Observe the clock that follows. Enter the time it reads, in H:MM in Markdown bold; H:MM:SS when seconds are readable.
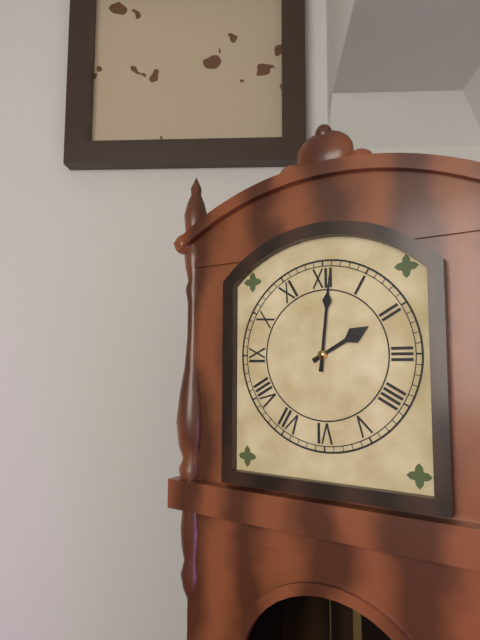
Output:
**2:01**
